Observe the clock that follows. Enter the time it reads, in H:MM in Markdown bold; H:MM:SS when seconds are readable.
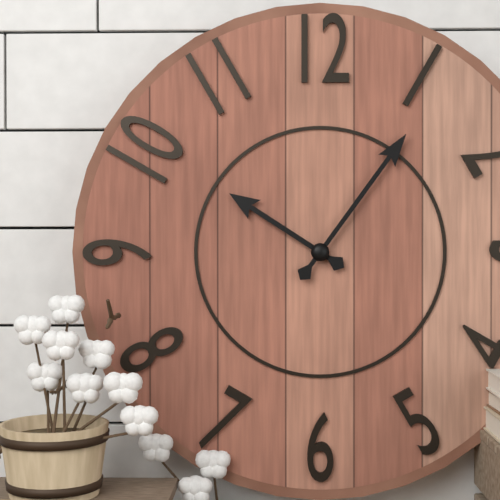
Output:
**10:06**
